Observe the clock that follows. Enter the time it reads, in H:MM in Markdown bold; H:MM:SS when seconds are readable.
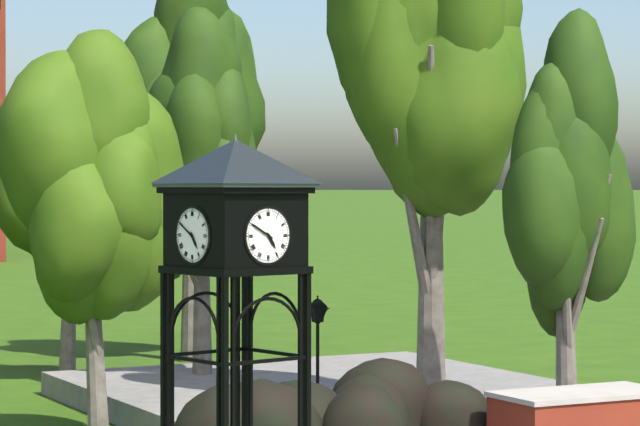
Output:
**4:50**
